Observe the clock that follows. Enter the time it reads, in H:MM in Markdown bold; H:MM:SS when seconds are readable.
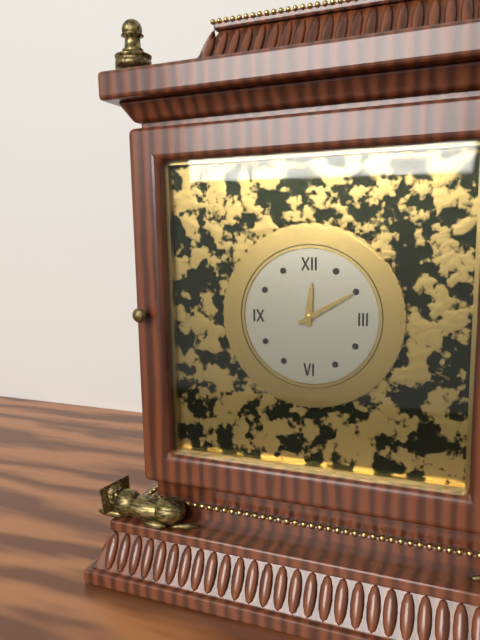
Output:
**12:10**
